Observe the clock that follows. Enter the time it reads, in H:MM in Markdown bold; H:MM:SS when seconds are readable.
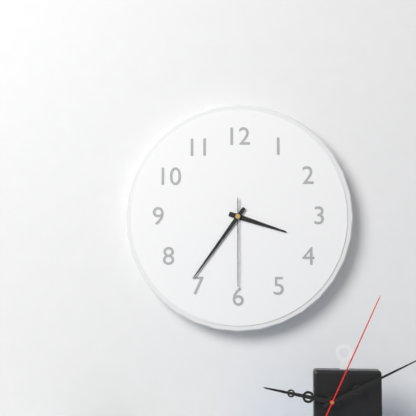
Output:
**3:36:30**
